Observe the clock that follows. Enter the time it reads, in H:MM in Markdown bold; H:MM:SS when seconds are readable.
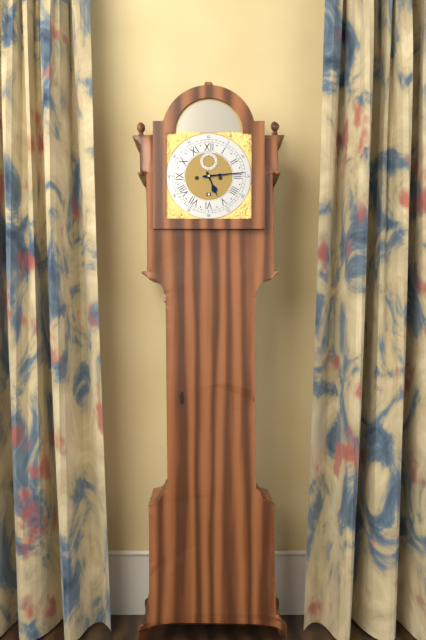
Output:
**5:14**
